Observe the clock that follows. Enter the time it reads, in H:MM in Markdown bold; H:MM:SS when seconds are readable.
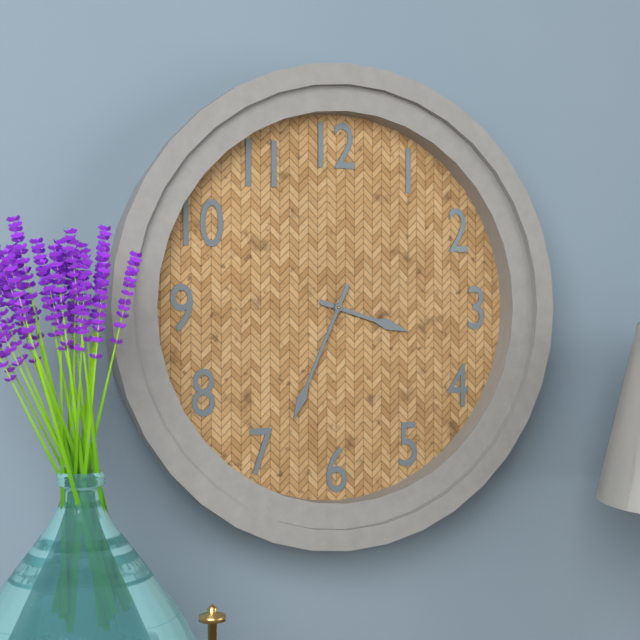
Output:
**3:34**
